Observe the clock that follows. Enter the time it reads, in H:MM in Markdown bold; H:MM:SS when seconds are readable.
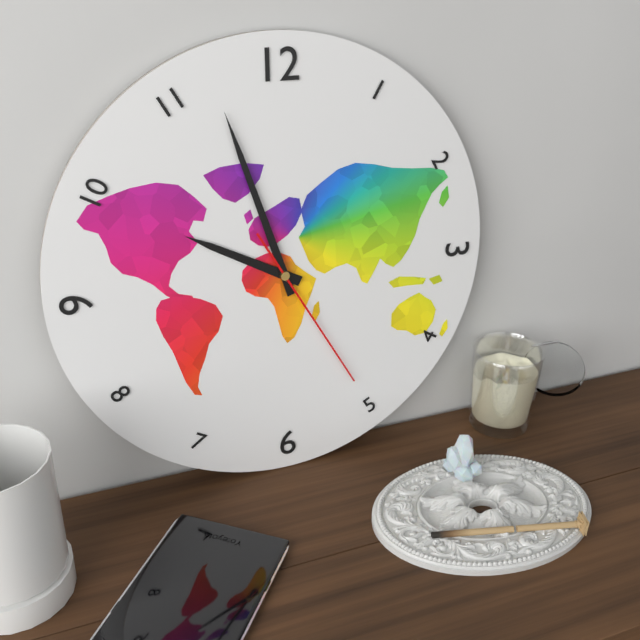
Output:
**9:57:25**
